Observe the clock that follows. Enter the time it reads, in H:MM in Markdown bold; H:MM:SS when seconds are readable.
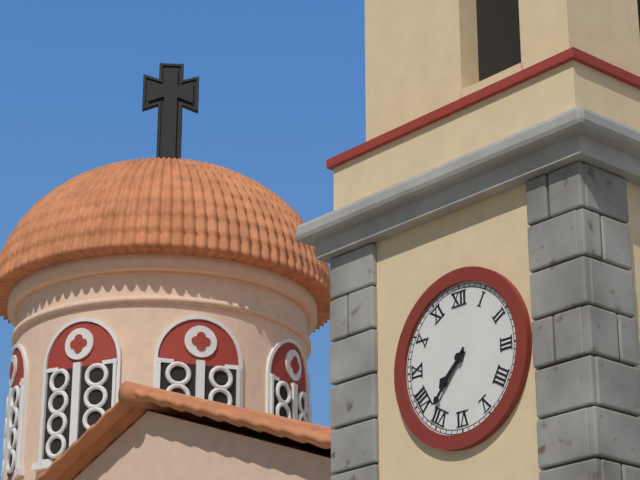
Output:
**7:37**
